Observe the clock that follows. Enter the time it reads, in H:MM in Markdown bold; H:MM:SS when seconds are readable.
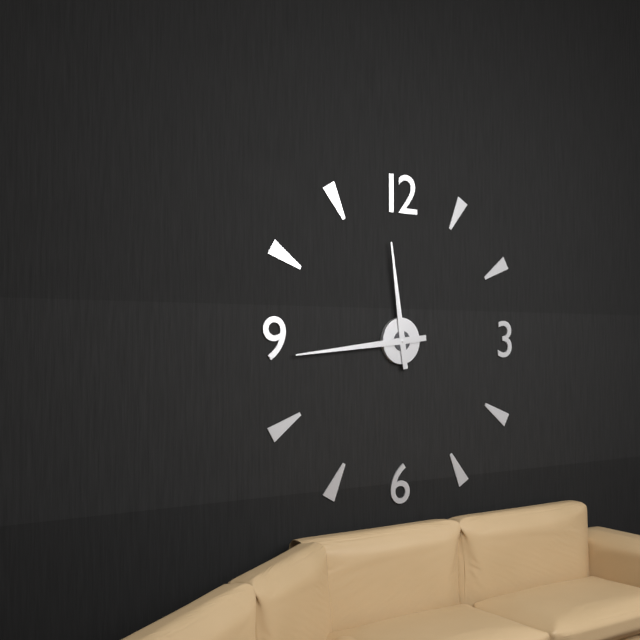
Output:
**11:44**
